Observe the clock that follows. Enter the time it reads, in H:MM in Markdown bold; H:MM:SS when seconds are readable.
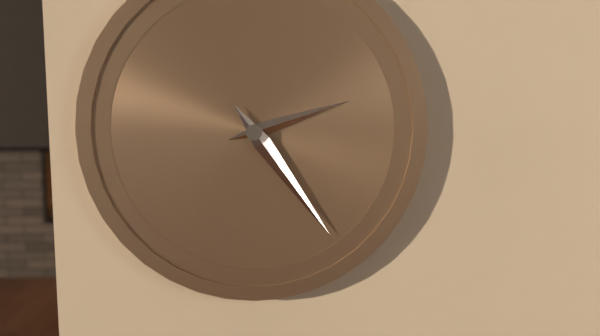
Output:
**2:24**
